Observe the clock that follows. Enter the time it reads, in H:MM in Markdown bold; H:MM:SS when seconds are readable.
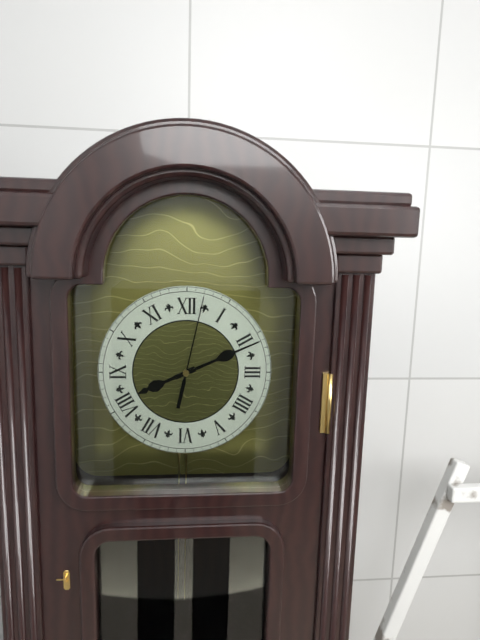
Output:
**8:11:02**
